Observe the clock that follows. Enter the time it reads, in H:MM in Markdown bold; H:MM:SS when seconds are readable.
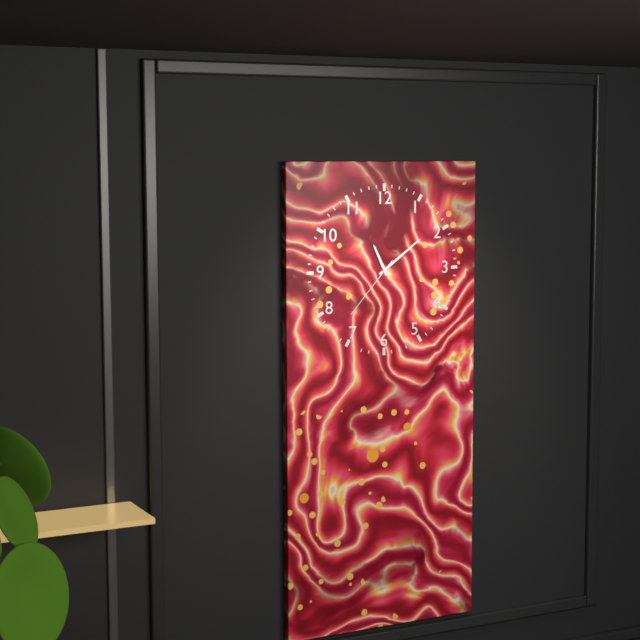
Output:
**11:09:37**
